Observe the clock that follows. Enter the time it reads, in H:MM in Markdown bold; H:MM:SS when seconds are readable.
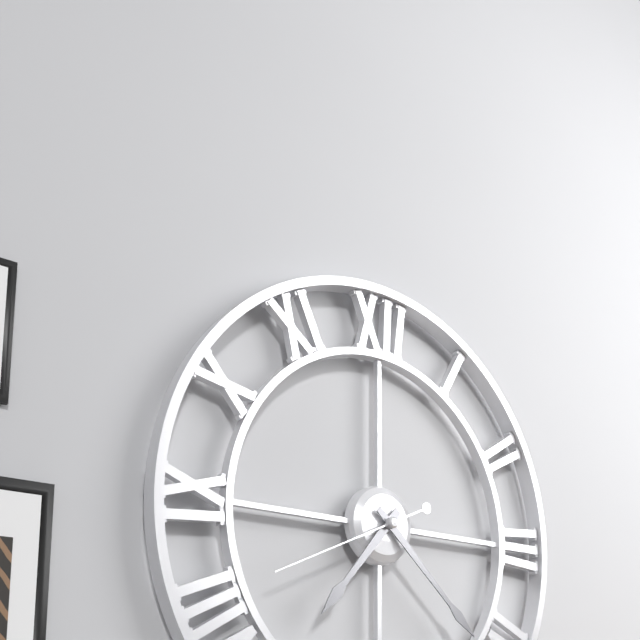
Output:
**7:22:41**
